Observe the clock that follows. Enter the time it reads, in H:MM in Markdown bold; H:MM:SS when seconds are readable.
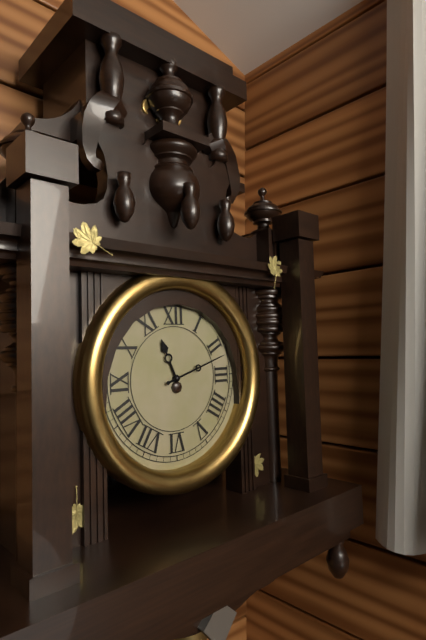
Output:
**11:12**
